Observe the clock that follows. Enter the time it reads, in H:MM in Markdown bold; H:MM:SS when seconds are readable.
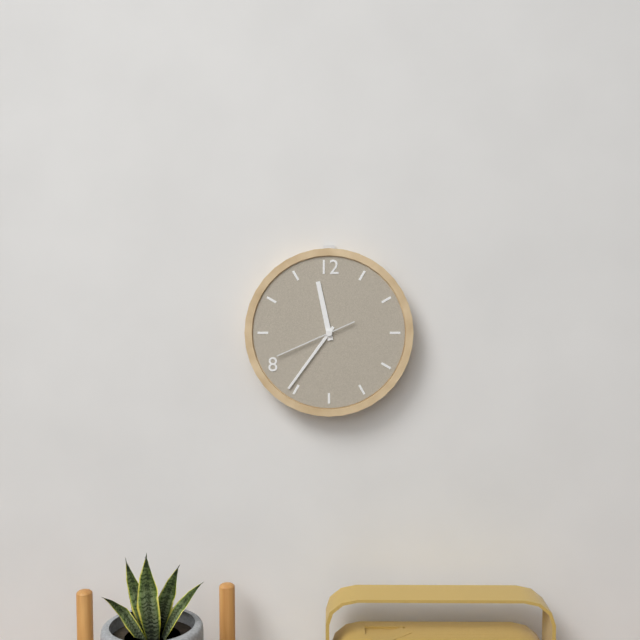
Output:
**11:36:41**
